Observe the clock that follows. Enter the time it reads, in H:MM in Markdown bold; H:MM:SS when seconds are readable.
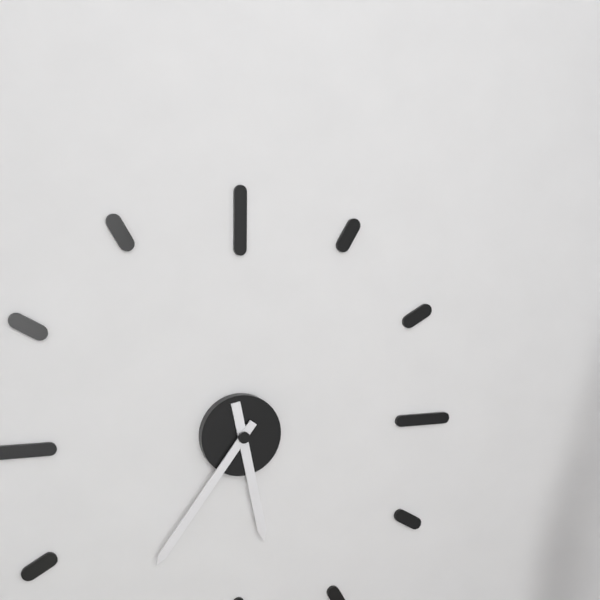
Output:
**5:36**
